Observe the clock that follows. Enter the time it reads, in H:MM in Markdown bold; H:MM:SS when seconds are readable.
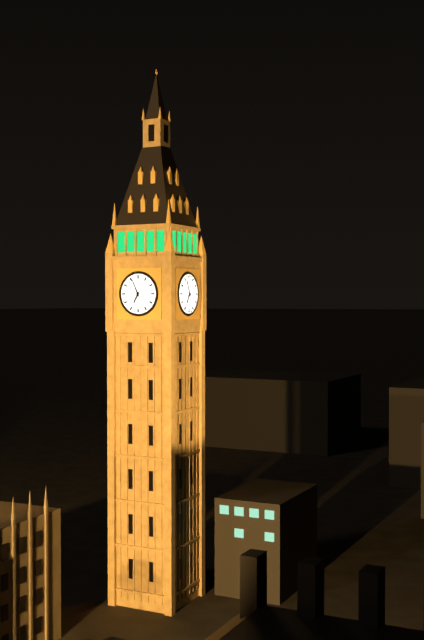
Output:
**6:56**
